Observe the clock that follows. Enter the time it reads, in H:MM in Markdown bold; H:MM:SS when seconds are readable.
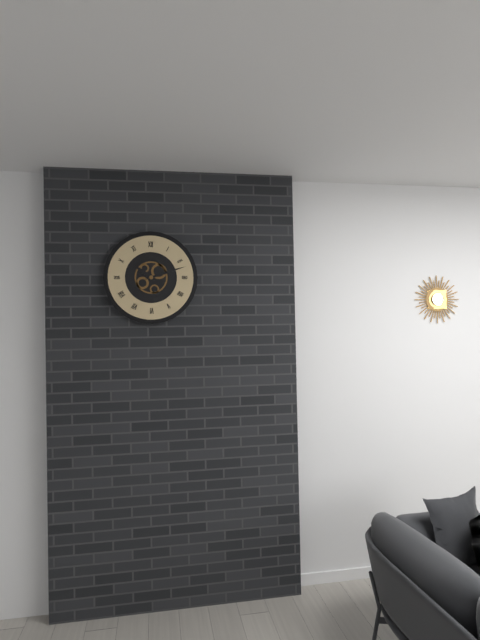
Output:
**10:12**
